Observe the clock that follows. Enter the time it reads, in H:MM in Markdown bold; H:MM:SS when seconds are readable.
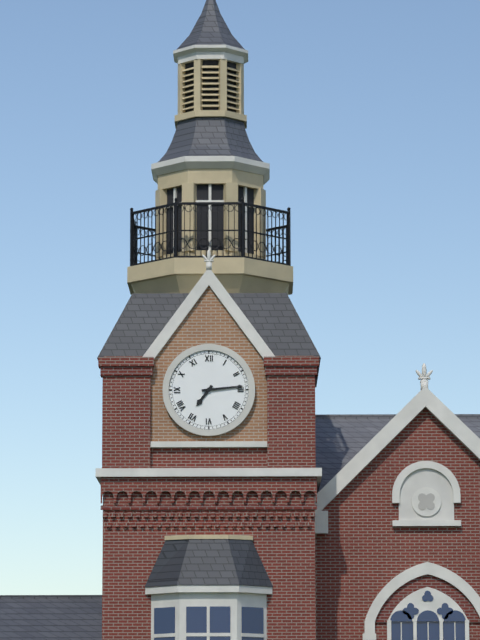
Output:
**7:14**
